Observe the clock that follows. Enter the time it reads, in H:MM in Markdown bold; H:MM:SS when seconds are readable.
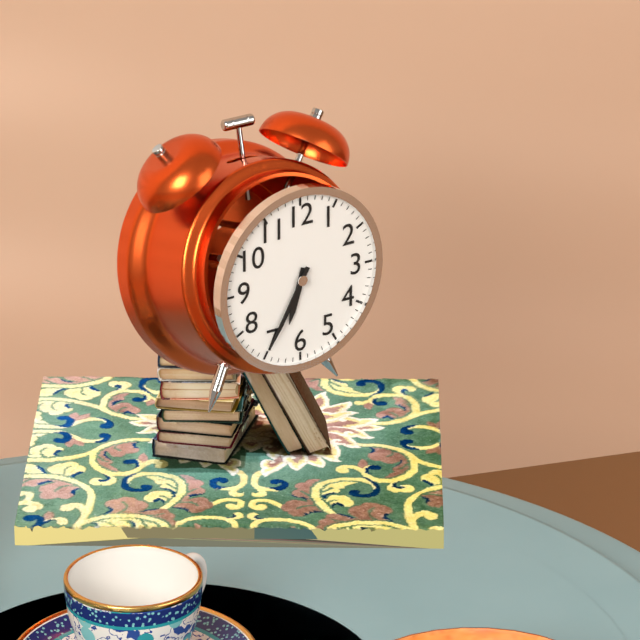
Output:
**6:35**
